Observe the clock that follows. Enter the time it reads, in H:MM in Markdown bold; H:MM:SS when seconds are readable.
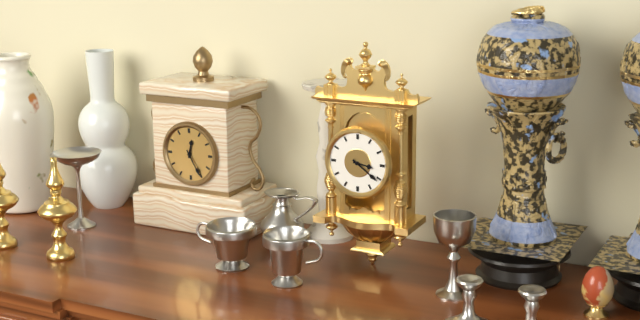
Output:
**3:21**
